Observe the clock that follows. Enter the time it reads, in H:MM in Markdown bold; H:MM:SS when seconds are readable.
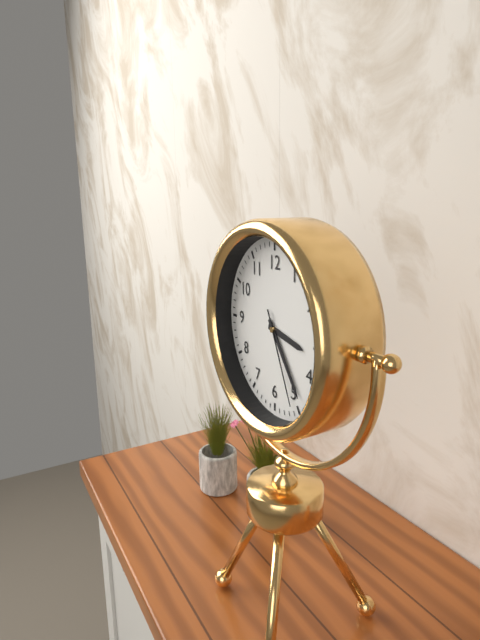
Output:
**3:24:26**
